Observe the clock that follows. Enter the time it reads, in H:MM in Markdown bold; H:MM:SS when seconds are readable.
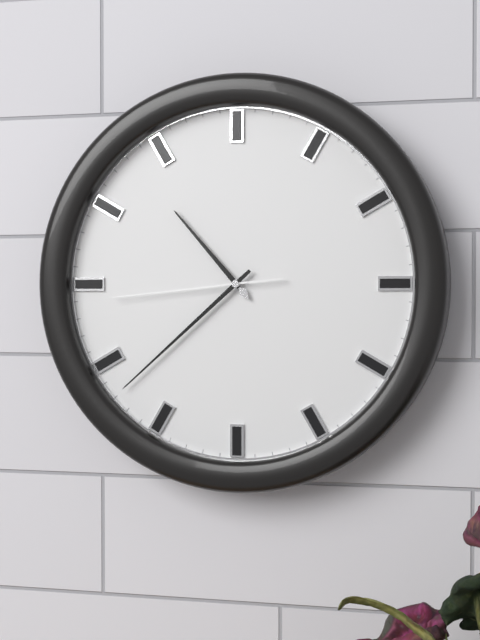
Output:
**10:38:44**
